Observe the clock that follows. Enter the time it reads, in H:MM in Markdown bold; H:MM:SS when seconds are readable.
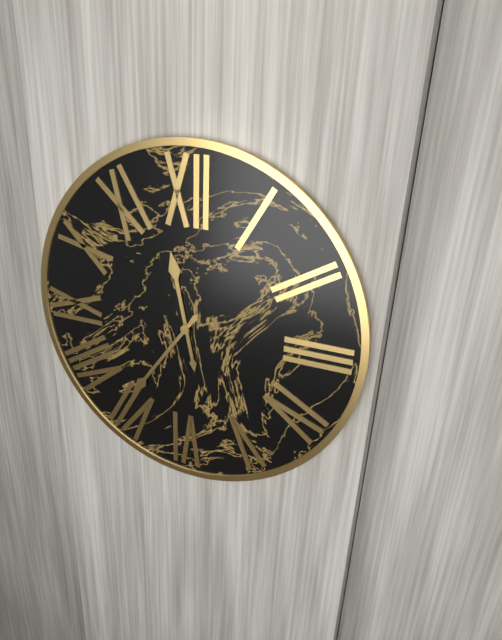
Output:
**11:36**
